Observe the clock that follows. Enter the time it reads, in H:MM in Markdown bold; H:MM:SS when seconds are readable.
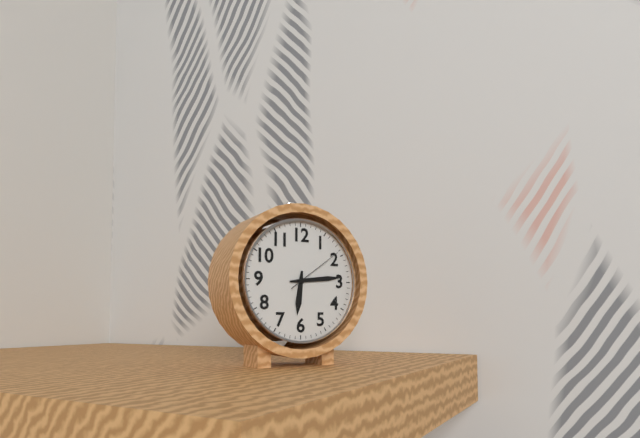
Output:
**6:14:09**
